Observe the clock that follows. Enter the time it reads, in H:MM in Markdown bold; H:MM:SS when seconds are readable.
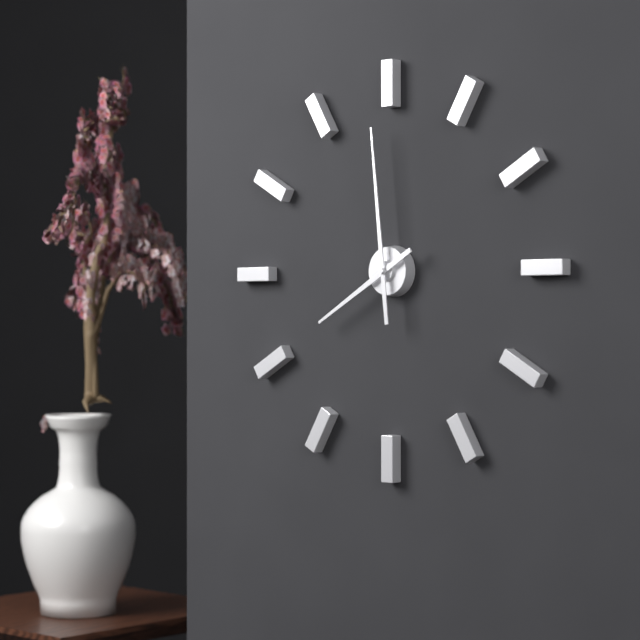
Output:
**7:59**
